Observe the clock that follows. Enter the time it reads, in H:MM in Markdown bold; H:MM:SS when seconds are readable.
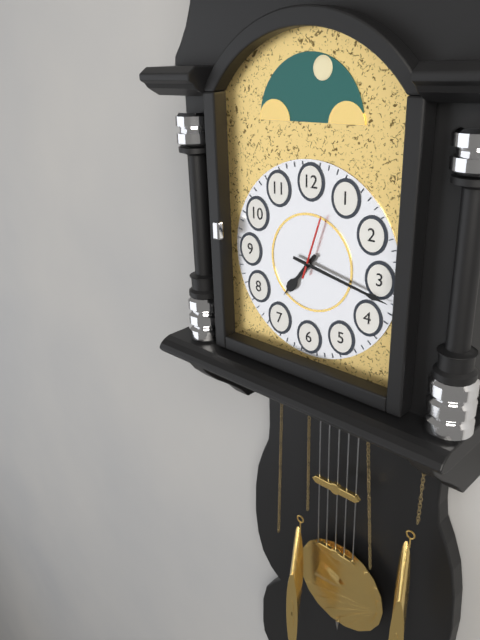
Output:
**7:17:03**
